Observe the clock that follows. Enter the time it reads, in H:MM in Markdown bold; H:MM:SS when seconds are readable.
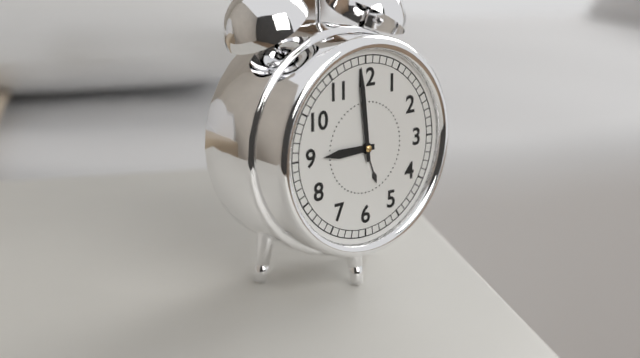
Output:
**8:59**
